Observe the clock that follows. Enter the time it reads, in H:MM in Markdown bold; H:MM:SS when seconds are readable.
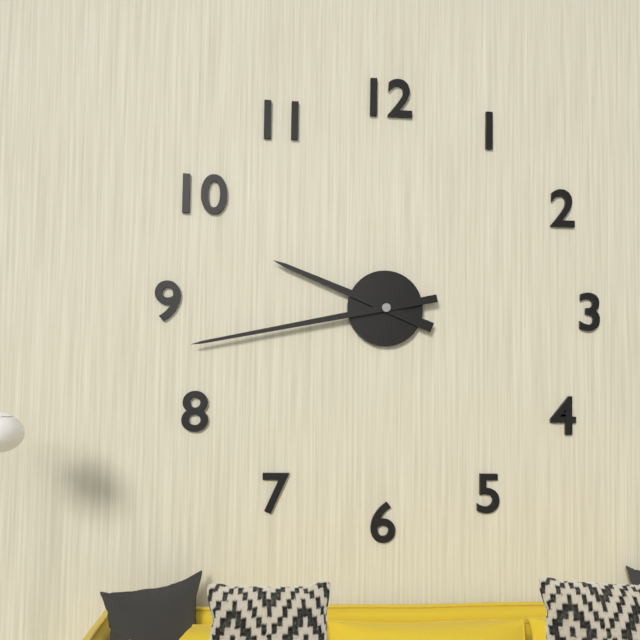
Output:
**9:43**
